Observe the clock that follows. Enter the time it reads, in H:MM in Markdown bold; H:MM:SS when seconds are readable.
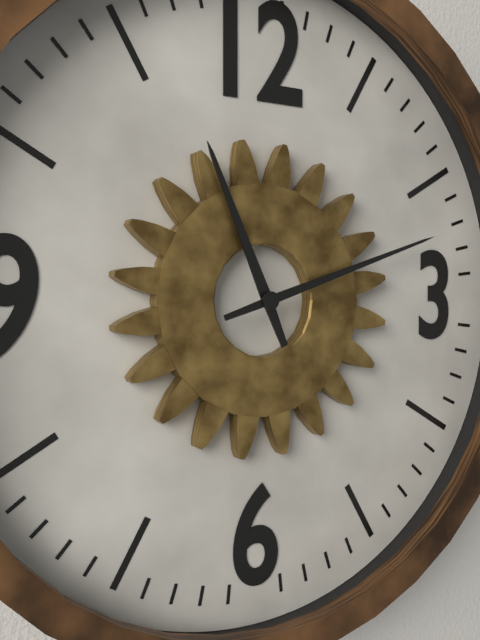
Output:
**11:12**
